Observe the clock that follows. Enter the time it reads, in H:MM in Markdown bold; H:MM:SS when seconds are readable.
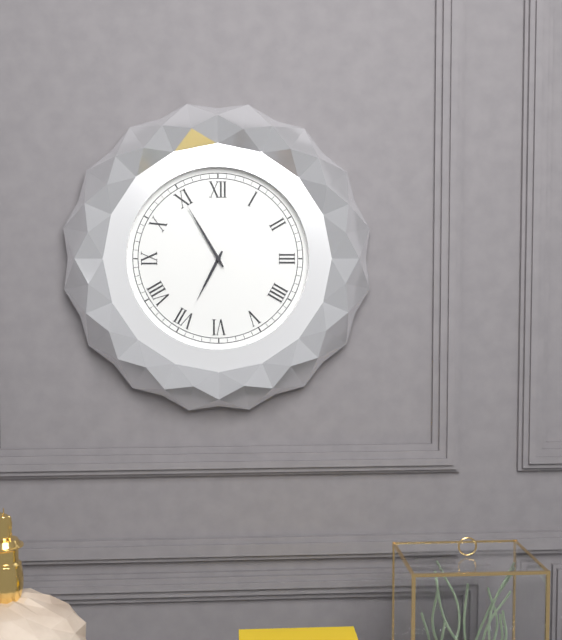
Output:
**6:55**
